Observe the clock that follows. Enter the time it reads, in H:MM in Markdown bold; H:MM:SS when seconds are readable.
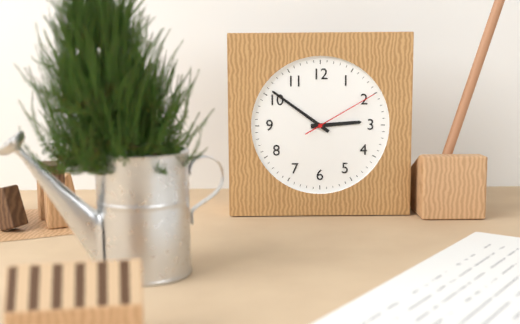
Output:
**2:51:10**
